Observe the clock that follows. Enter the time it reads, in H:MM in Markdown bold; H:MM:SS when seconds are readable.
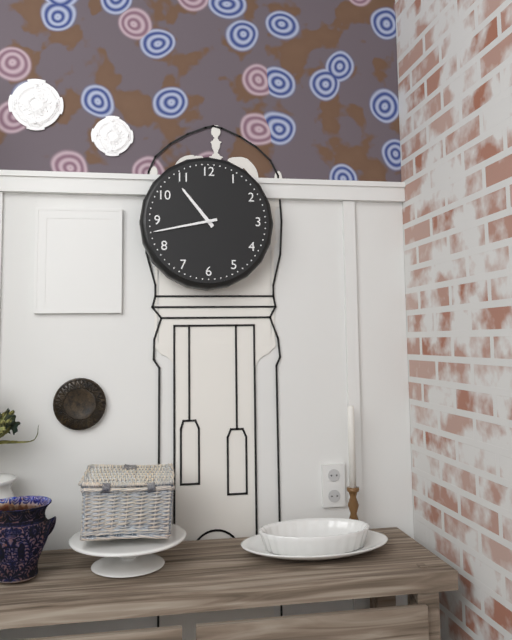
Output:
**10:43**
